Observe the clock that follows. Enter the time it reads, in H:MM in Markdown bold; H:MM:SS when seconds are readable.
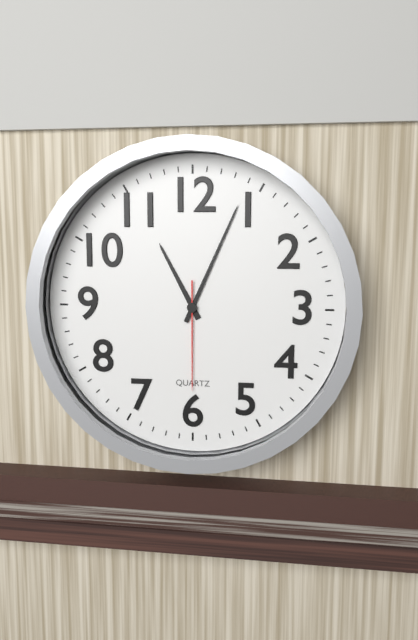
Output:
**11:04:30**
